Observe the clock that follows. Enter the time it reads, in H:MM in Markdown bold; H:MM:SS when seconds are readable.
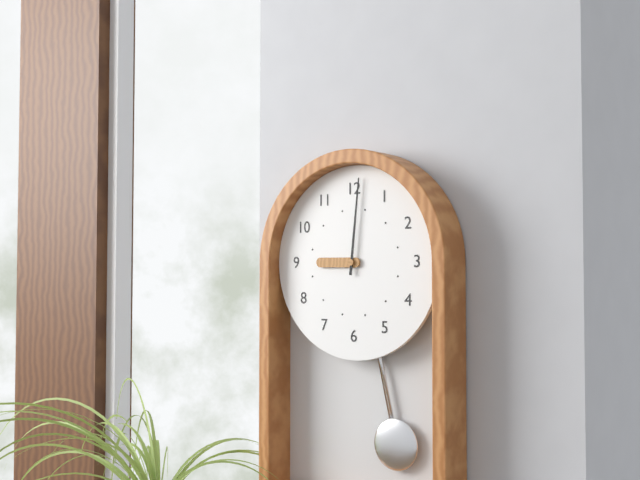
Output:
**9:01**
